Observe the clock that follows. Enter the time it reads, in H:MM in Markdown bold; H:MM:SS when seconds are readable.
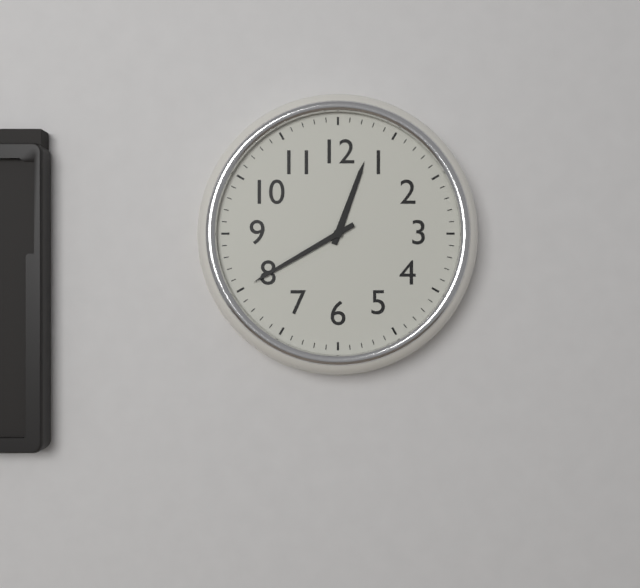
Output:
**12:40**
